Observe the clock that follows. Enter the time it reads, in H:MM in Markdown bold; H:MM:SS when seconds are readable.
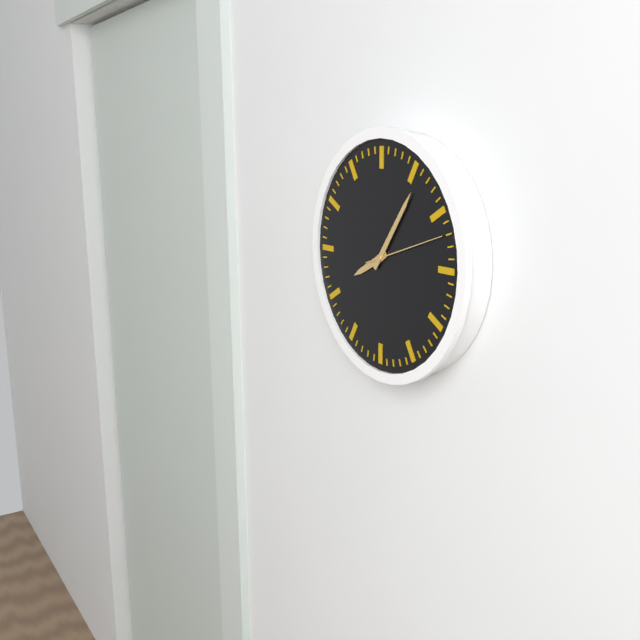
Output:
**8:06:12**
